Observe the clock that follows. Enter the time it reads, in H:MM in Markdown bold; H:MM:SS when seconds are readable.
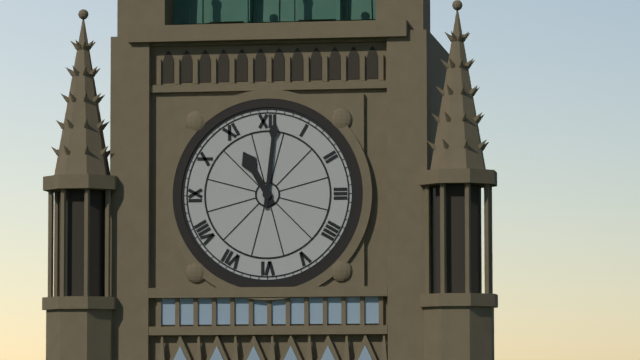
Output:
**11:01**
